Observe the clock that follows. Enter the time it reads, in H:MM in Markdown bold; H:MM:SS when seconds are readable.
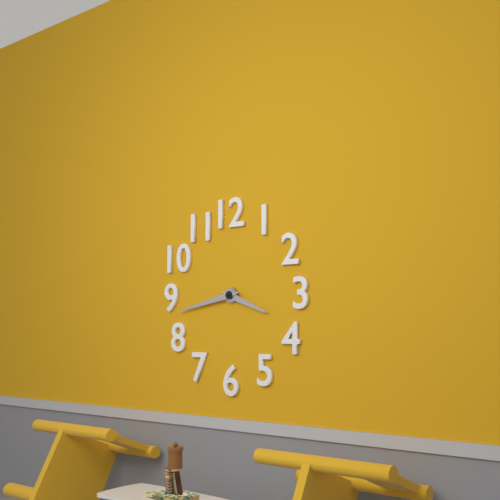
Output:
**3:43**
